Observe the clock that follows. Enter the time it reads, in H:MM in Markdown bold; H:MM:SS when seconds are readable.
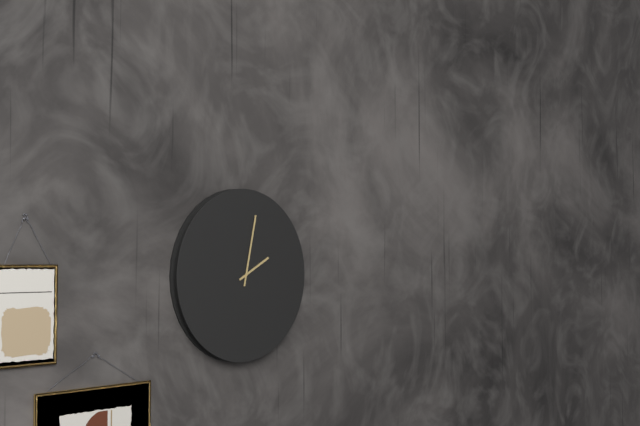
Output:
**2:02**
